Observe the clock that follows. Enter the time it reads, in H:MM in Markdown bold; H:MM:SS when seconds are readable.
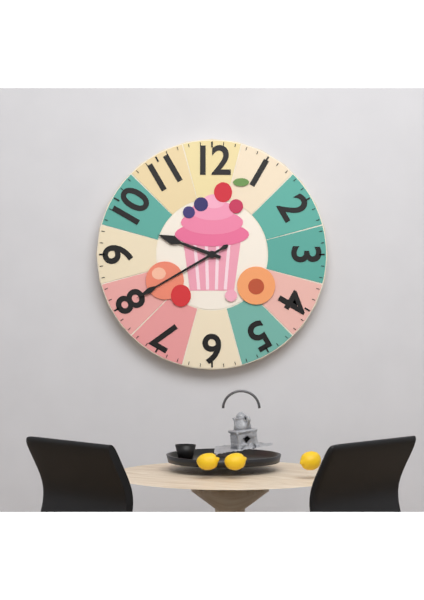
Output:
**9:40**
